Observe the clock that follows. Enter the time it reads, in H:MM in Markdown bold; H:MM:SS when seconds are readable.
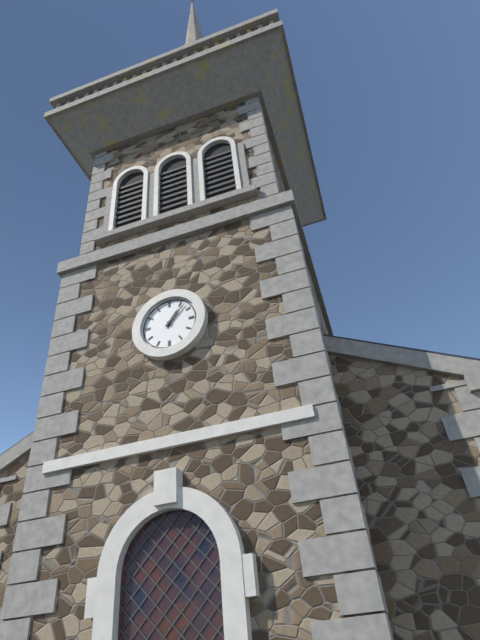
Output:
**1:07**
